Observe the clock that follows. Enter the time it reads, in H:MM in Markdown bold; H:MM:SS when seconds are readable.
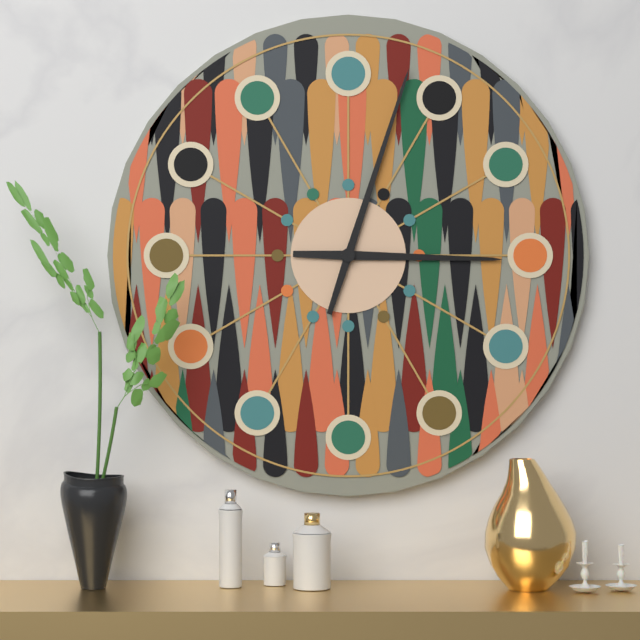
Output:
**3:03**
